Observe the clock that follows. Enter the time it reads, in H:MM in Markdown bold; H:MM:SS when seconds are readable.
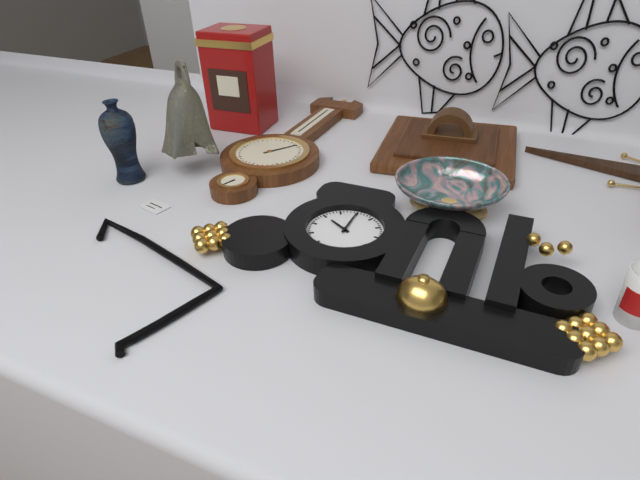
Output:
**10:00**
